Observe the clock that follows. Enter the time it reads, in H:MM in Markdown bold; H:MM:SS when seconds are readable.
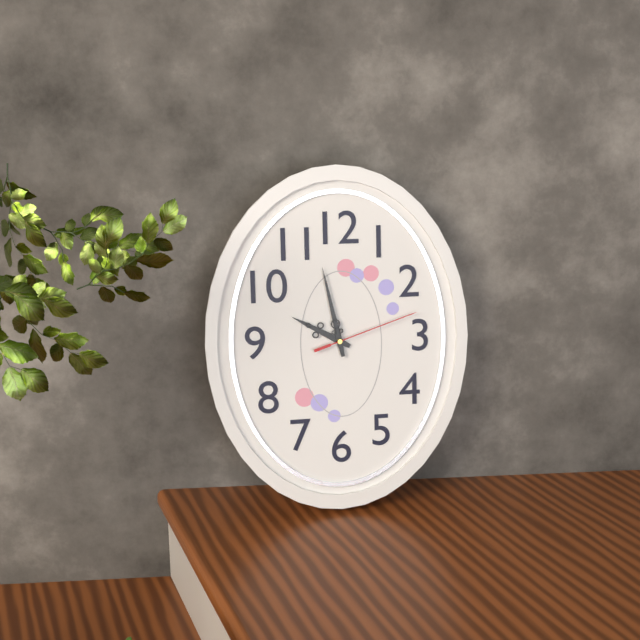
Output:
**9:58:12**
